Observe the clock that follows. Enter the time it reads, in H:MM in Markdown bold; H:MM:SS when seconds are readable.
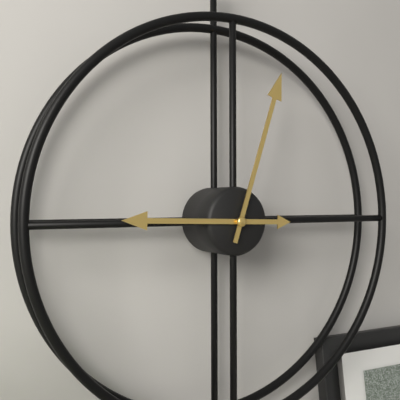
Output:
**9:03**
